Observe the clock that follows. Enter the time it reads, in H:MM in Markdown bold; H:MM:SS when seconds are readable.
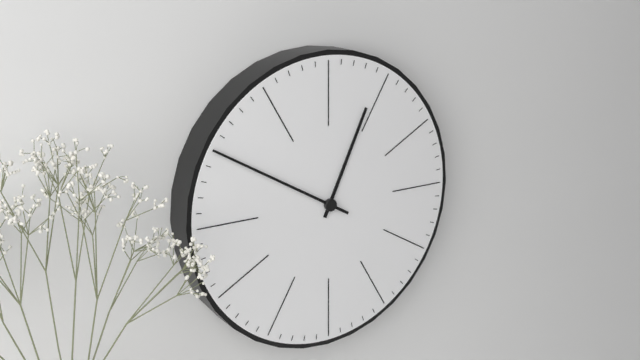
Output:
**12:50**
